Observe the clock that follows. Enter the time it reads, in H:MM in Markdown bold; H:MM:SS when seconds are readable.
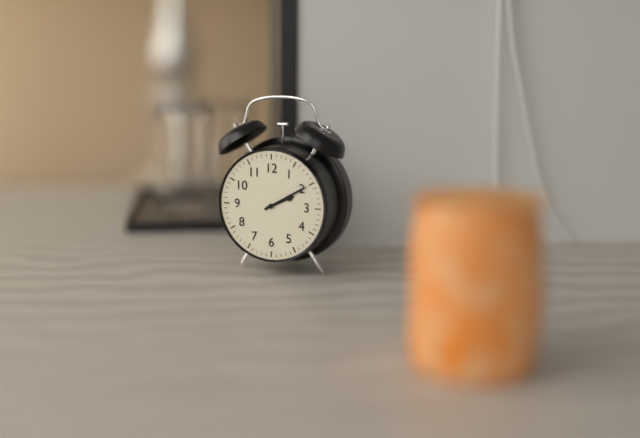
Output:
**2:10**
